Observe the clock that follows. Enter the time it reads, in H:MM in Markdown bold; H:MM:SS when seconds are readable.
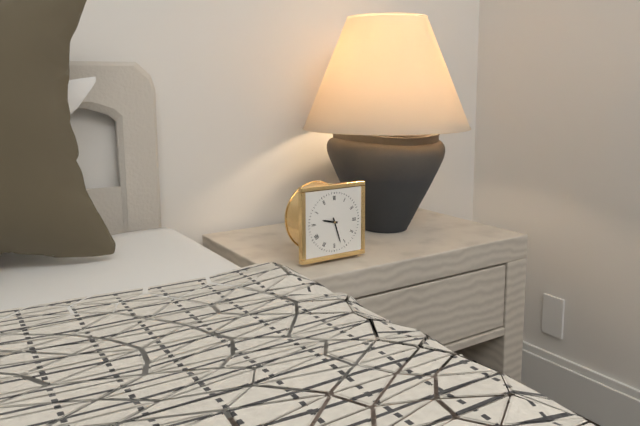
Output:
**9:27**
